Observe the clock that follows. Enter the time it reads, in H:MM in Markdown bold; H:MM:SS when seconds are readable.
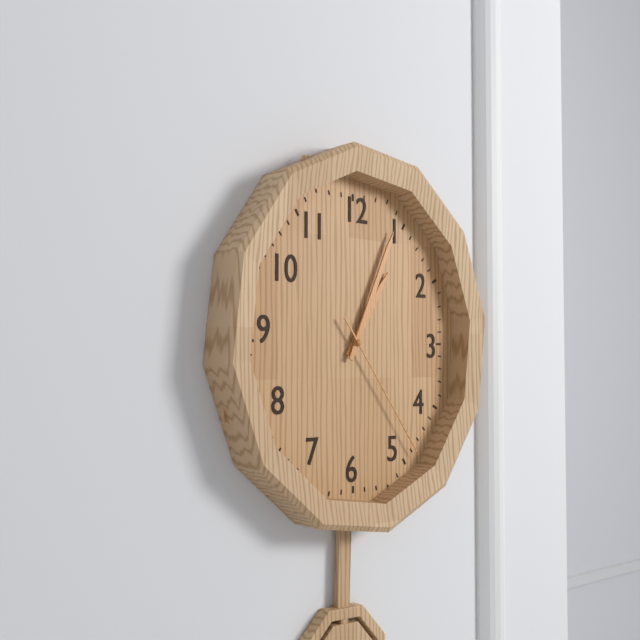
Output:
**1:04:24**
